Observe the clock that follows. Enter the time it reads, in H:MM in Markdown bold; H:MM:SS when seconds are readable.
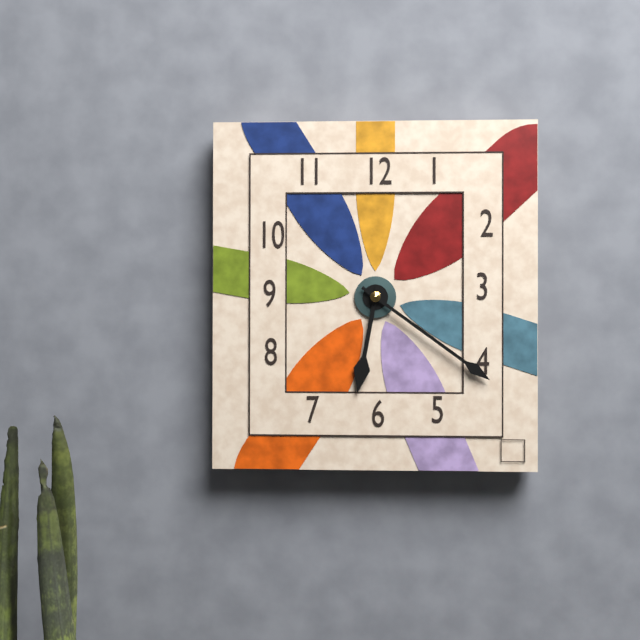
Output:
**6:21**
